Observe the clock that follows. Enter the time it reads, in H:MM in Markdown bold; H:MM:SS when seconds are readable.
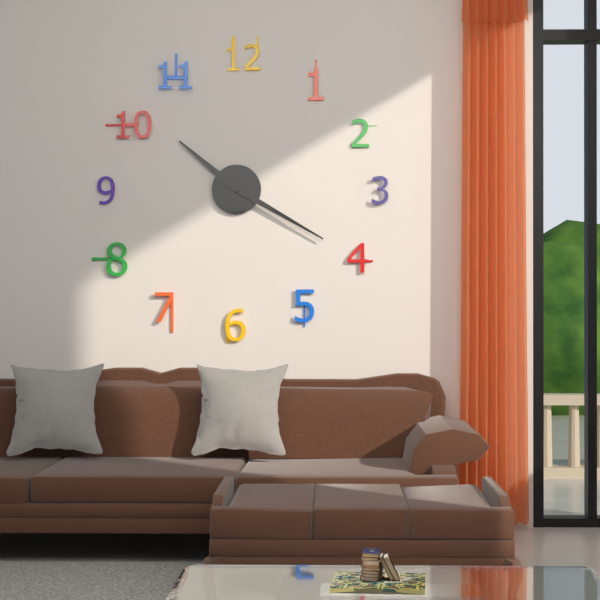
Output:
**10:20**
